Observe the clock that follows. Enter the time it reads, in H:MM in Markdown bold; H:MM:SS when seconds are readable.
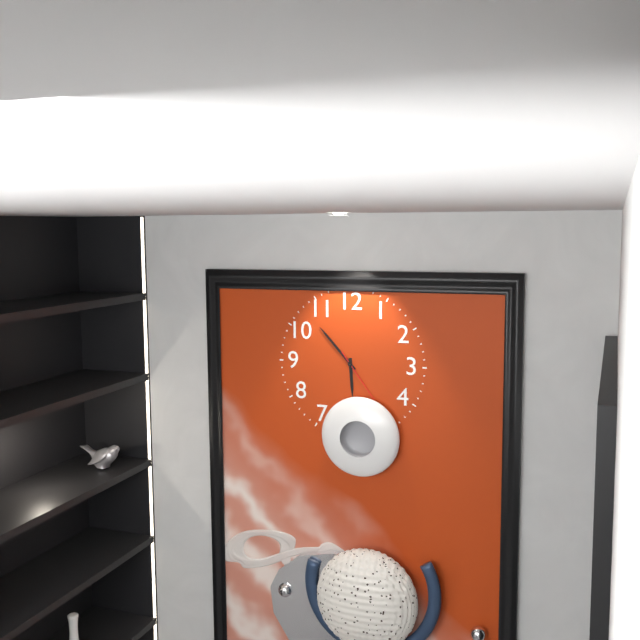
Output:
**5:53:24**
